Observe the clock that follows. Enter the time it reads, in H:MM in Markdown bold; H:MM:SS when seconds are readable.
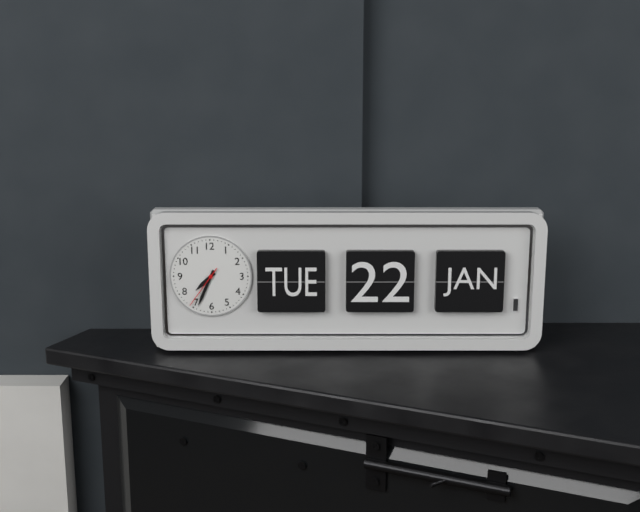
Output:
**7:34**
